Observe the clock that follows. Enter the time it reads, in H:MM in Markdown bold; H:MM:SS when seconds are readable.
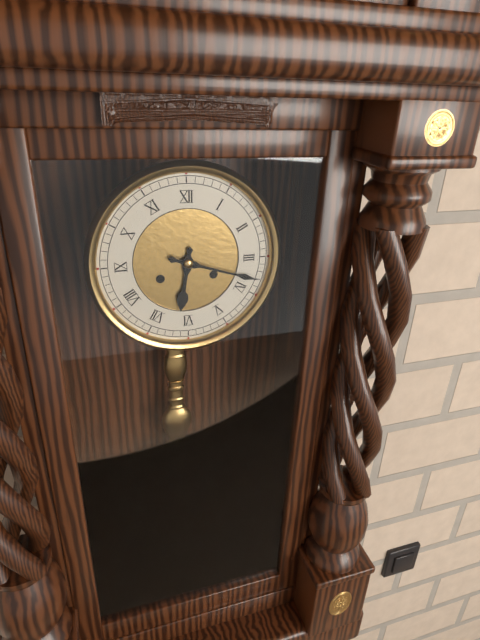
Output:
**6:18**
